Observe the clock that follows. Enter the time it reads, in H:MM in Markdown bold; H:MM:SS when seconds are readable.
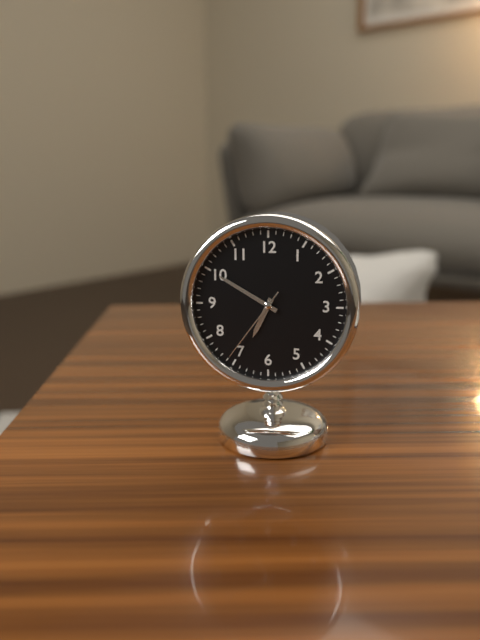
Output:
**6:50:36**
